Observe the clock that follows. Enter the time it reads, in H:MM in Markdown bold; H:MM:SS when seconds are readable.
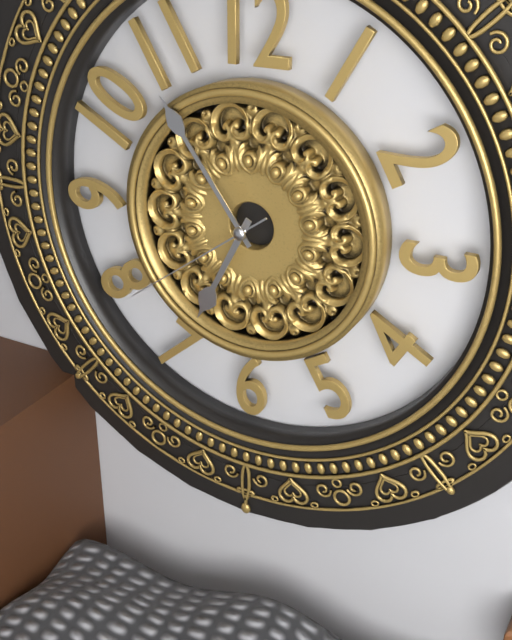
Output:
**6:54:39**
